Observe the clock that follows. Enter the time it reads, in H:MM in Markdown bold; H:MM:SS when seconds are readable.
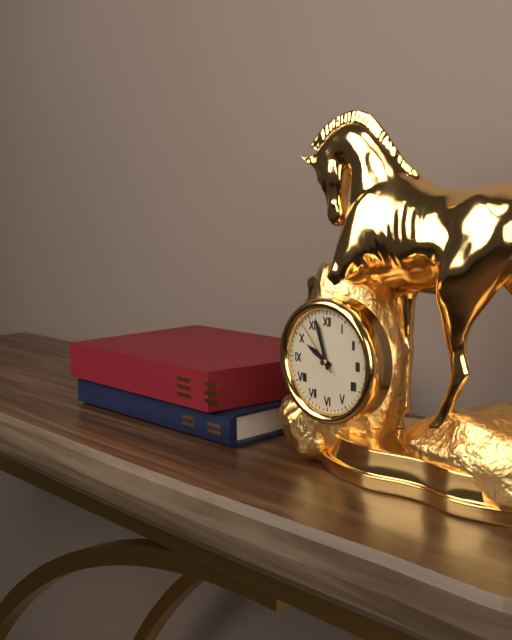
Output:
**9:57:53**
